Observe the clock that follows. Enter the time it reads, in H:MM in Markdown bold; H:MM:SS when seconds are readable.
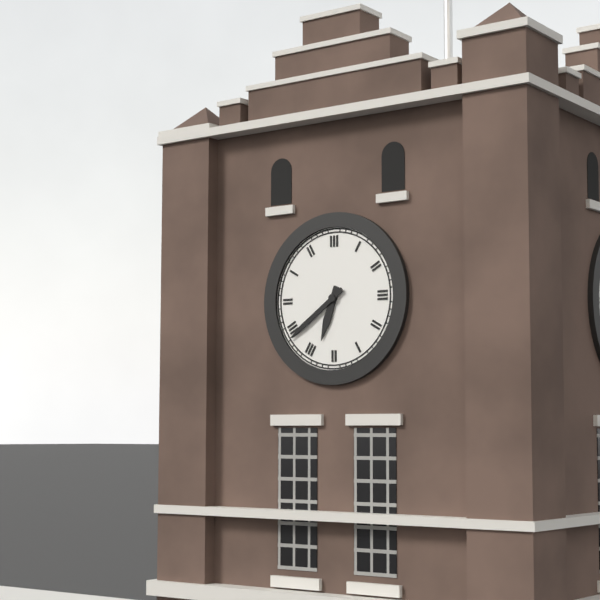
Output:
**6:39**
